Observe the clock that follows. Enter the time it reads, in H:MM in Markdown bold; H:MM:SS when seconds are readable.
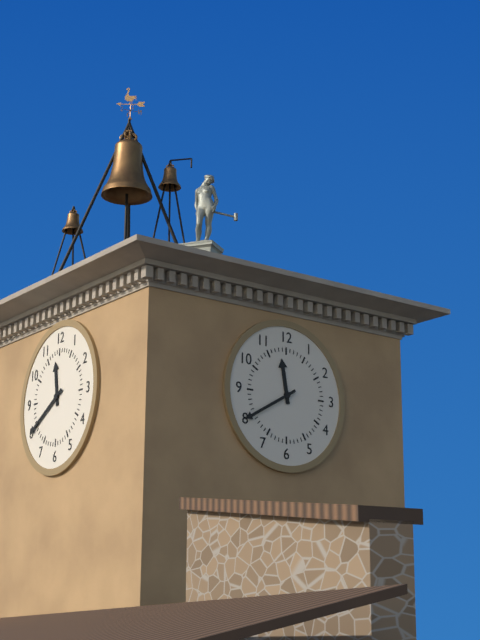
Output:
**11:40**
